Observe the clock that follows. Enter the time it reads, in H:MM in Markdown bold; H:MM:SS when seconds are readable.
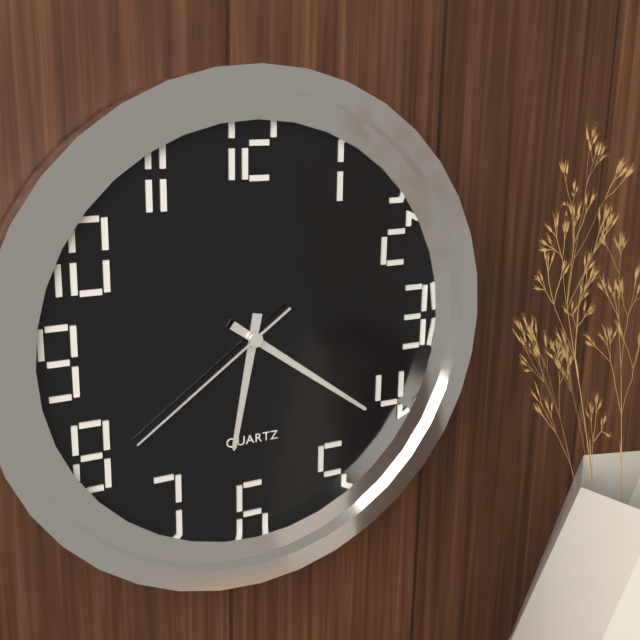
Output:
**6:21:39**
